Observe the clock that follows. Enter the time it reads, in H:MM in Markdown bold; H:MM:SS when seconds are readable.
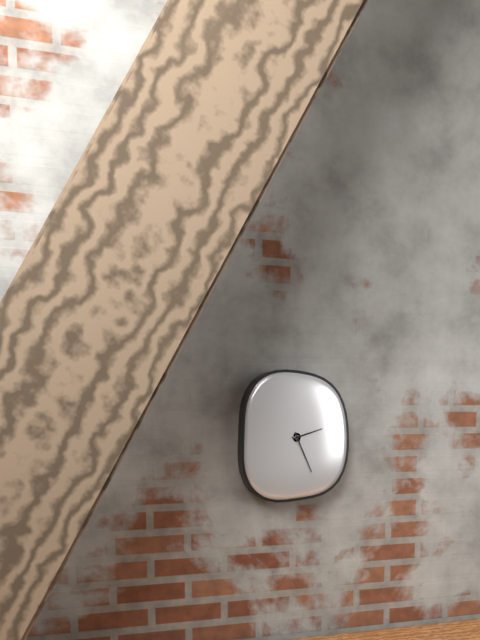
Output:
**2:26**
